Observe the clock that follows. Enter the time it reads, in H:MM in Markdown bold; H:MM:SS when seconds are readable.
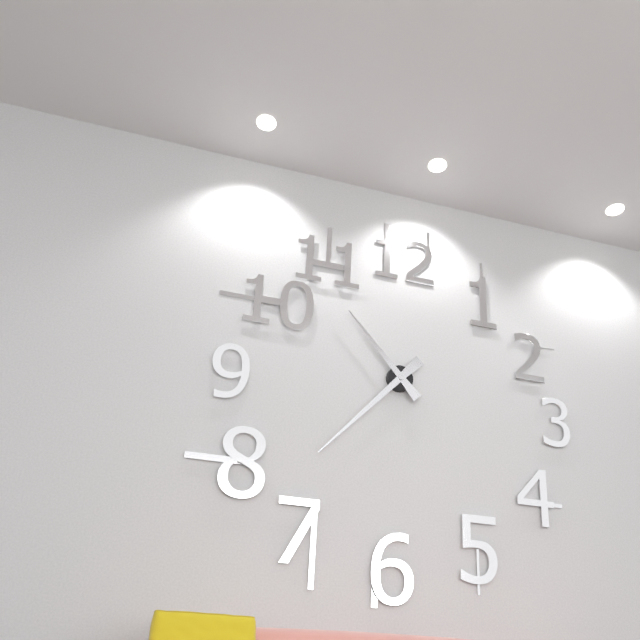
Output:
**10:37**
